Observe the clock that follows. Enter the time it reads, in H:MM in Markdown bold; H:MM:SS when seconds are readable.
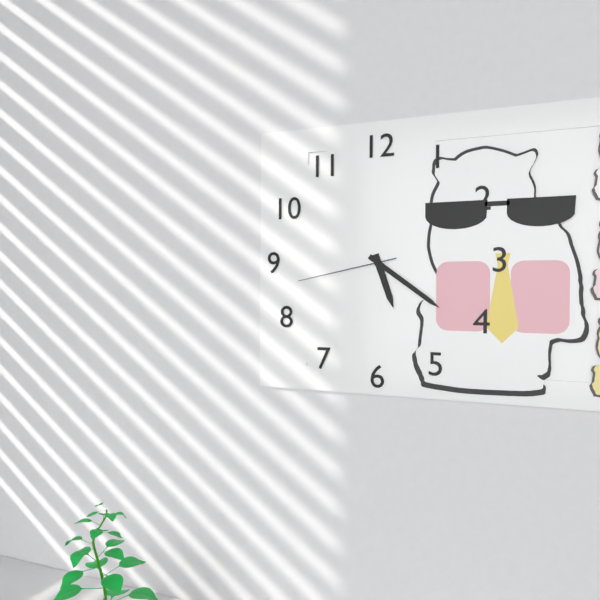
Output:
**5:21:43**
